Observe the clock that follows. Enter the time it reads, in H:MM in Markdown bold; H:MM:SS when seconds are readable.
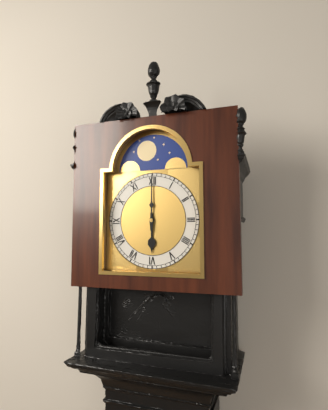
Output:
**6:00**
